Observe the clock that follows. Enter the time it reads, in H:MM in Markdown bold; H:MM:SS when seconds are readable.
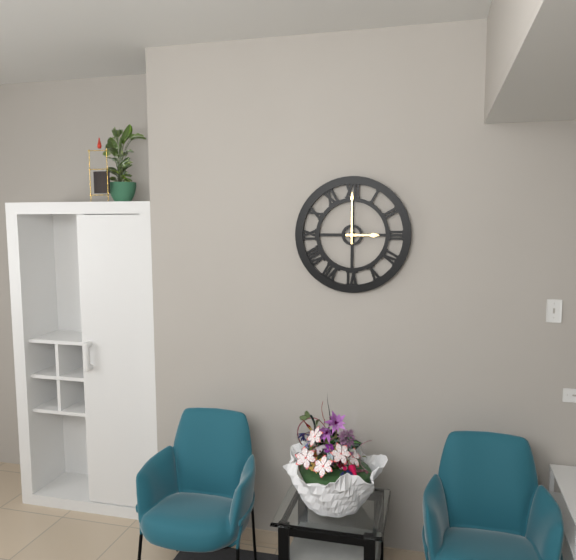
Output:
**3:00**
